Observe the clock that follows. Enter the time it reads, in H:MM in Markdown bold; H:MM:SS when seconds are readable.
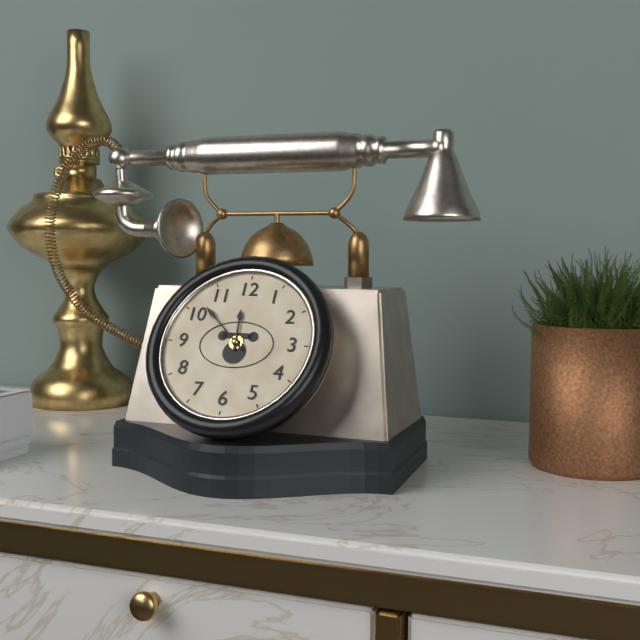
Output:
**11:52**
